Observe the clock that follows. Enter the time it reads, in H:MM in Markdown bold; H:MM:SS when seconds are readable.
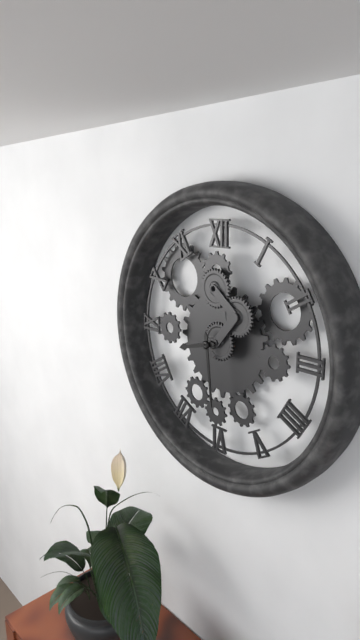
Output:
**8:29**
